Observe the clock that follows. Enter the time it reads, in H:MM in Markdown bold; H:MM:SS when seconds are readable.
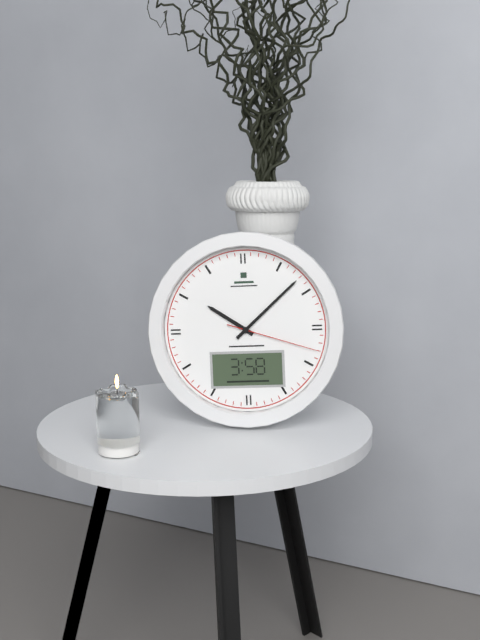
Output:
**10:08:18**
